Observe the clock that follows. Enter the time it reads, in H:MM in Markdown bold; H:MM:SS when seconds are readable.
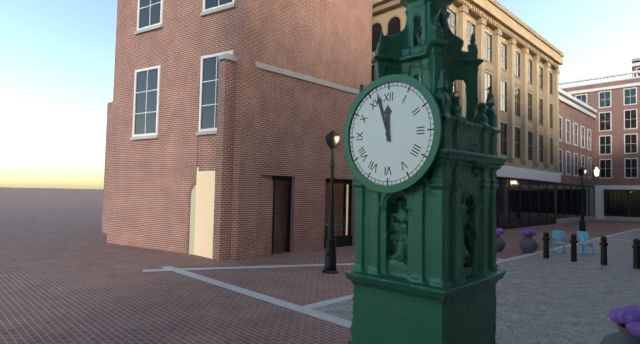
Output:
**11:57**
